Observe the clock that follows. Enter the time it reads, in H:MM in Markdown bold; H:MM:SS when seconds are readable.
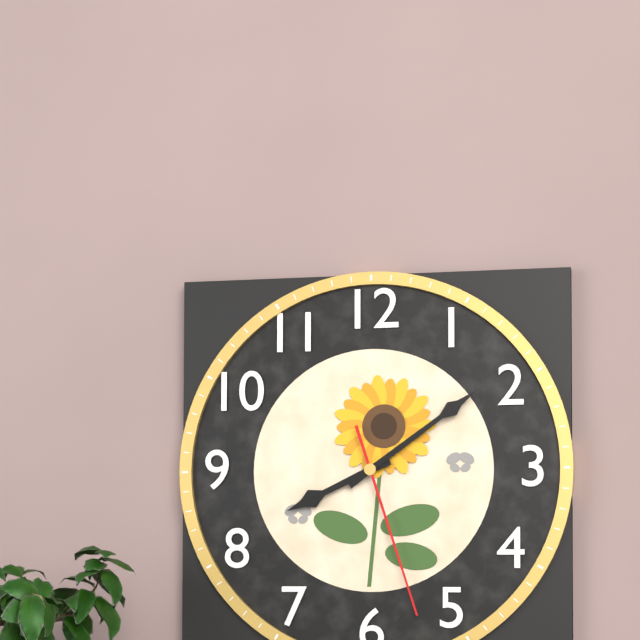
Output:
**8:09:27**
